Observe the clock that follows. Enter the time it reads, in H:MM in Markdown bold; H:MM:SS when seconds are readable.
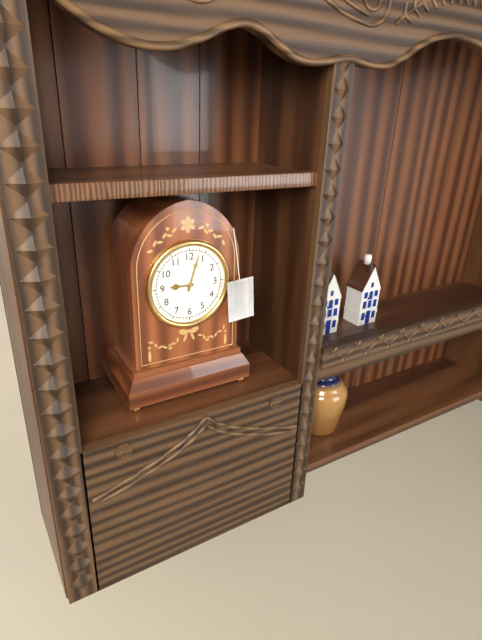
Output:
**9:03**
